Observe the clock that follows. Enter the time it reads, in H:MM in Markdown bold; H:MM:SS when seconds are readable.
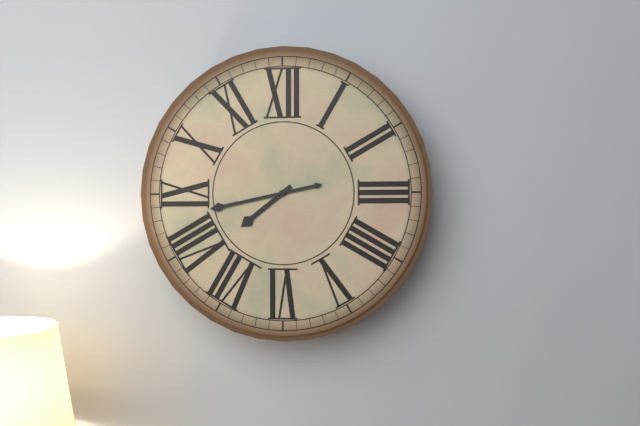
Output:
**7:43**
